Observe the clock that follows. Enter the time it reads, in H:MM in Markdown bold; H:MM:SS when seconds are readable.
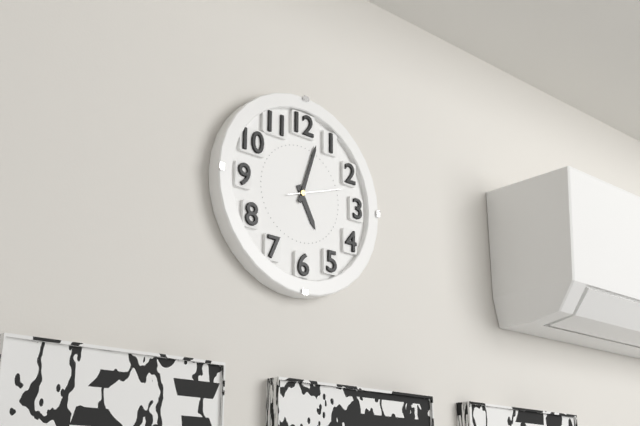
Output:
**5:03:12**
